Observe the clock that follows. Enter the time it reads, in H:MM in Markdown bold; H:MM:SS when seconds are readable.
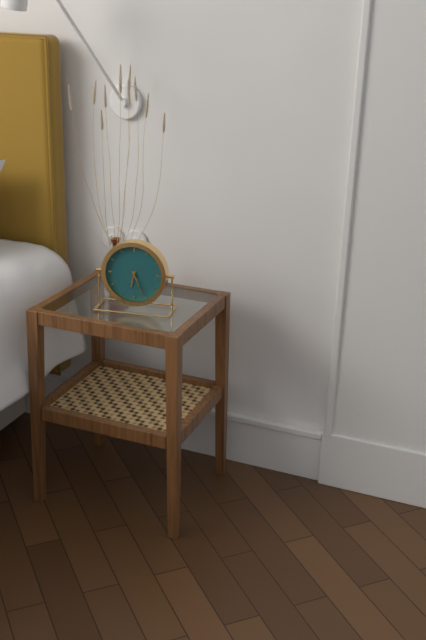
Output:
**6:26**
